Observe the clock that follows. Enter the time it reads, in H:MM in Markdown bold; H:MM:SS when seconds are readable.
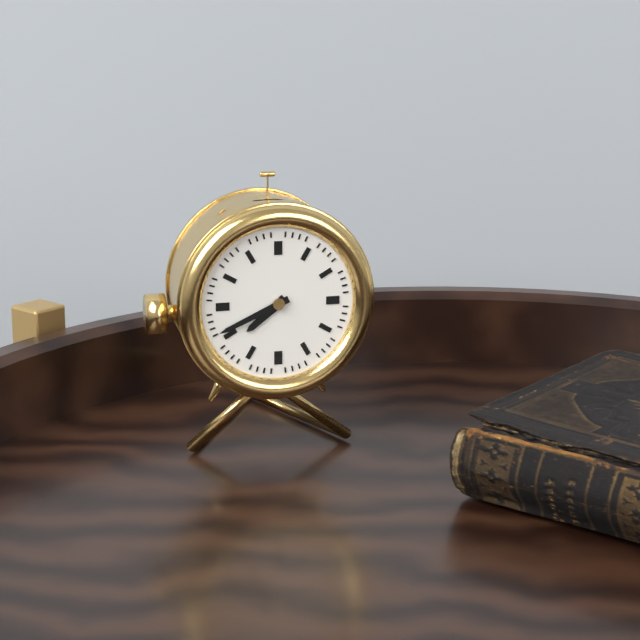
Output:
**7:41**
